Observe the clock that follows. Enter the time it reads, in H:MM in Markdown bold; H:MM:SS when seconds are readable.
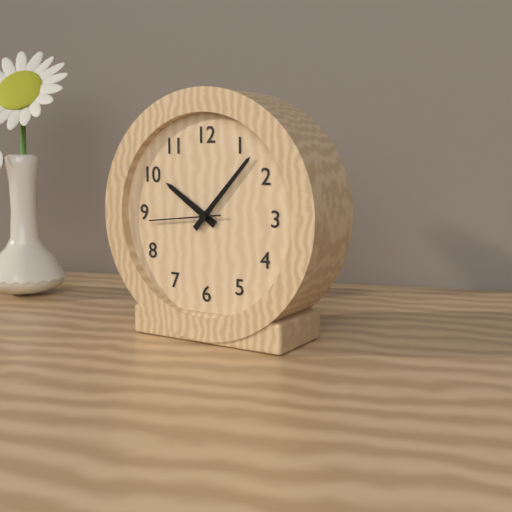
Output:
**10:07:44**
